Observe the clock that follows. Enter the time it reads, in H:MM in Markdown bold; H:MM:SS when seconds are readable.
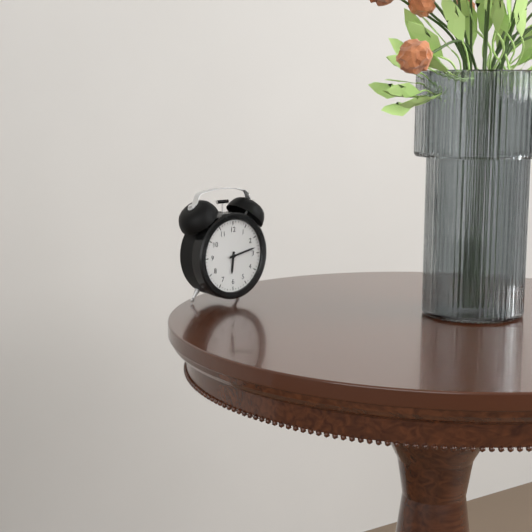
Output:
**6:13**
